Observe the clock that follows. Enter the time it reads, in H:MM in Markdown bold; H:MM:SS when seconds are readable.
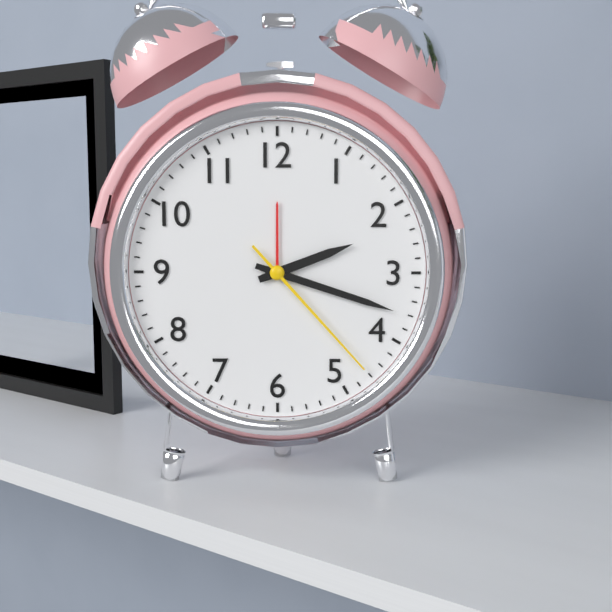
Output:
**2:18:23**
